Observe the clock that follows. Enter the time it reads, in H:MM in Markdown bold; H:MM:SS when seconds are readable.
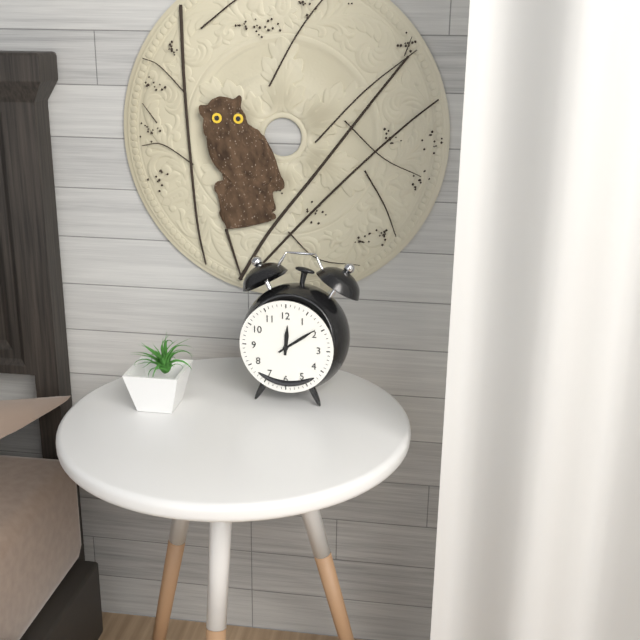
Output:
**12:09**
